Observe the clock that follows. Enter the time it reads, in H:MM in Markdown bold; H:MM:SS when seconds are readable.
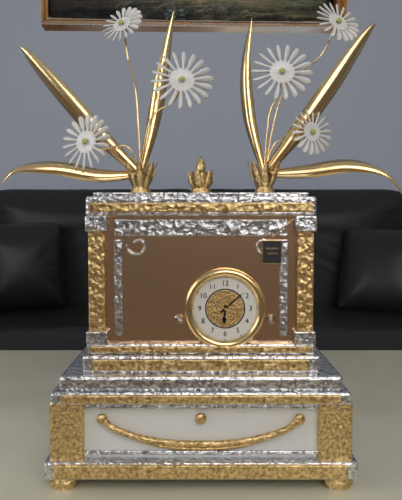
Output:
**6:08**
